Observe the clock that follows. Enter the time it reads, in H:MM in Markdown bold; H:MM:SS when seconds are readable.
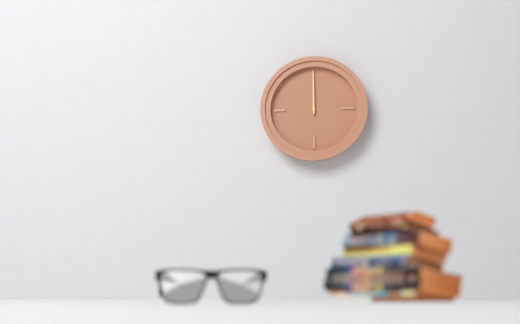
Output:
**12:00**
